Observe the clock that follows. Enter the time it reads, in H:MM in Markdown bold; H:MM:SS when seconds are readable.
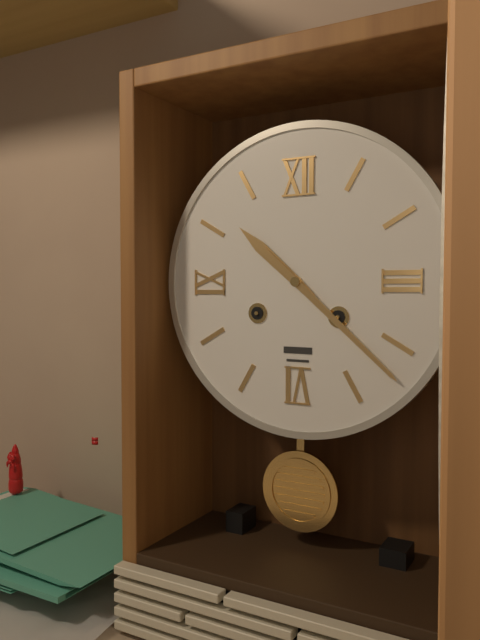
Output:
**10:22**
